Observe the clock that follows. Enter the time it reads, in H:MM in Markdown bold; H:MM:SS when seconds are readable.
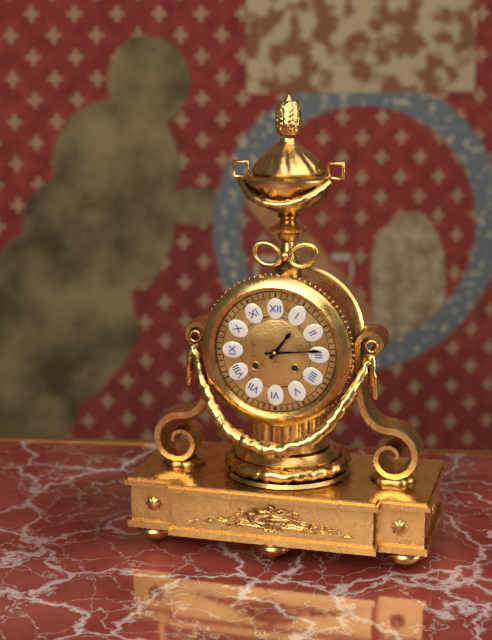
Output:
**1:14**
